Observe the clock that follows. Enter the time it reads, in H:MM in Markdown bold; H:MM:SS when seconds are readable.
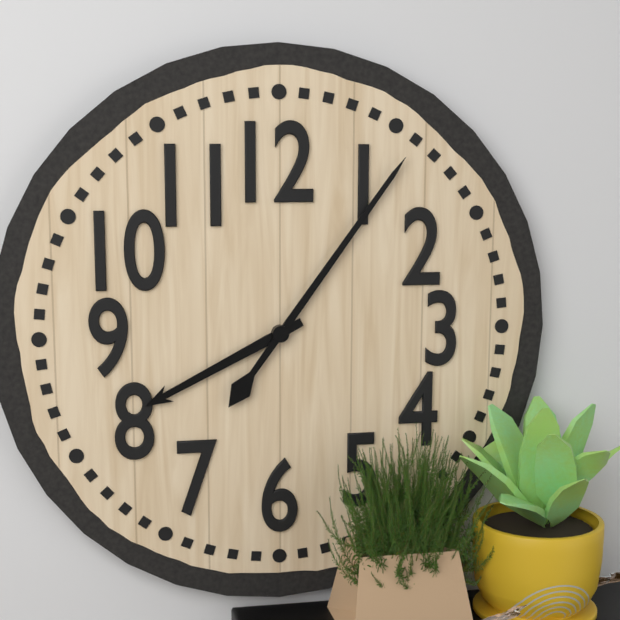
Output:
**8:06**
